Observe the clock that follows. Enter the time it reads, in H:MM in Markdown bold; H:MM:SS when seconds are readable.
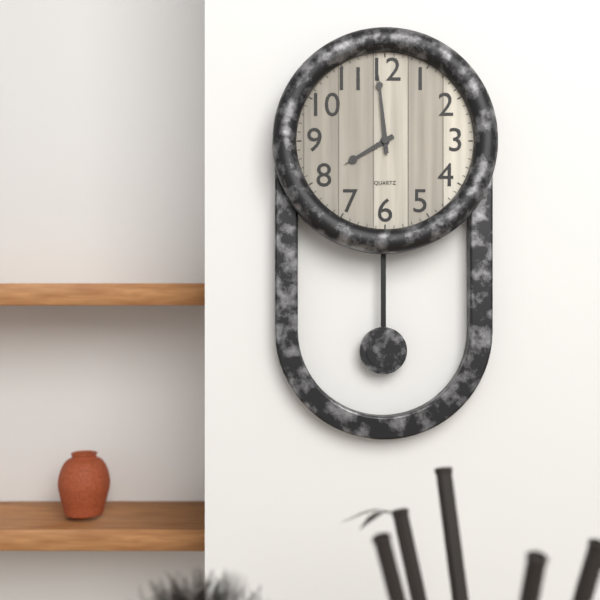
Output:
**7:59**
